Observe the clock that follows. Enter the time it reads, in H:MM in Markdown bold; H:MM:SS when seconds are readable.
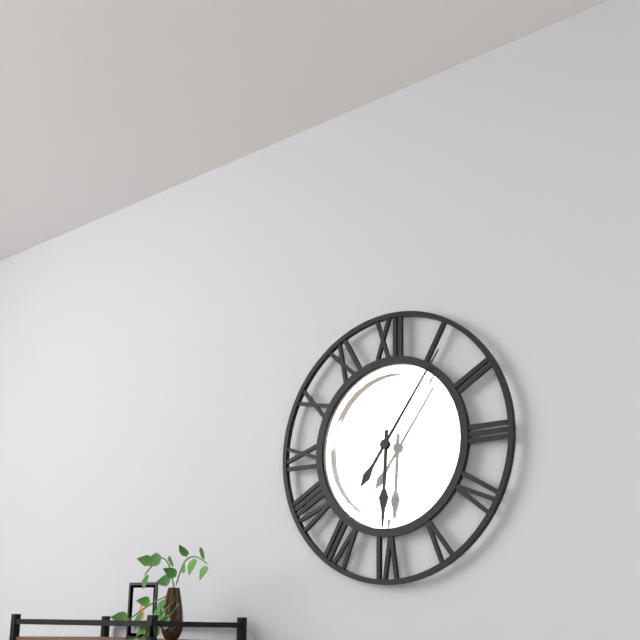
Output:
**6:06**
